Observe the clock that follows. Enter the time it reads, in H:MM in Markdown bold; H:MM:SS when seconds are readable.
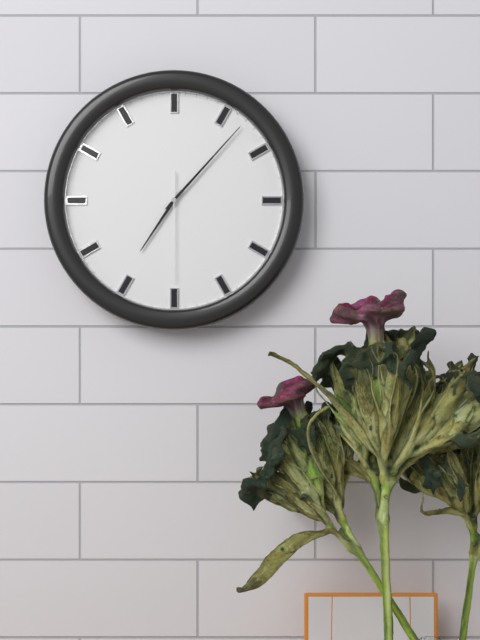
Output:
**7:07:30**
